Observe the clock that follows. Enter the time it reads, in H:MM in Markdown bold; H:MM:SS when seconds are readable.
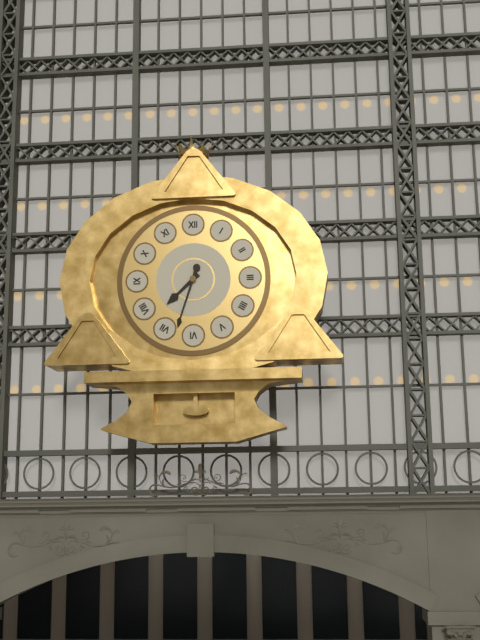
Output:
**7:33**
